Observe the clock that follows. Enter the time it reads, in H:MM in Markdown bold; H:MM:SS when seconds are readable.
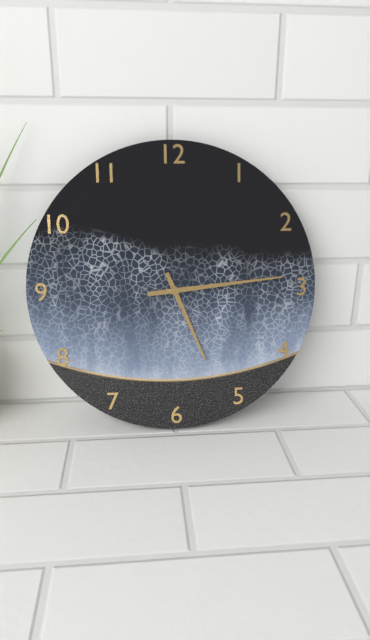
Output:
**5:14**
